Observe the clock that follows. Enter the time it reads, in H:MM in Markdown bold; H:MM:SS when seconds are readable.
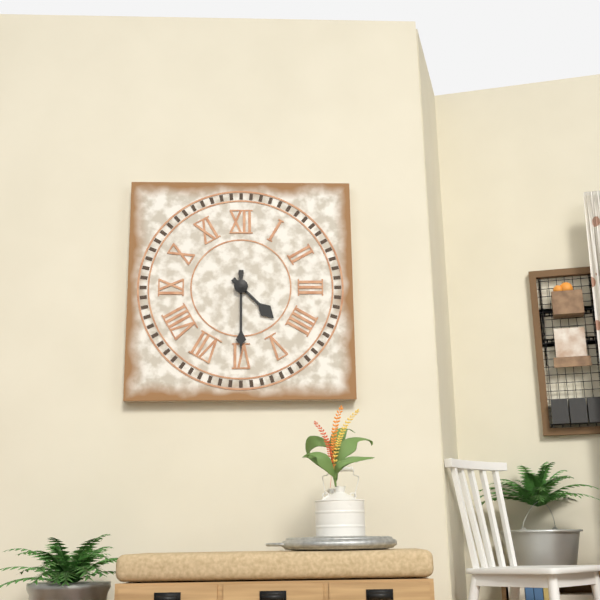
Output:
**4:30**
